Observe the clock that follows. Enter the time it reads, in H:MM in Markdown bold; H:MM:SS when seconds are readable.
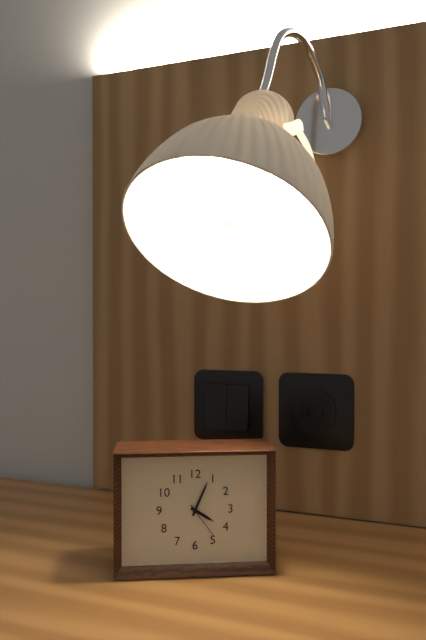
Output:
**4:04:24**
